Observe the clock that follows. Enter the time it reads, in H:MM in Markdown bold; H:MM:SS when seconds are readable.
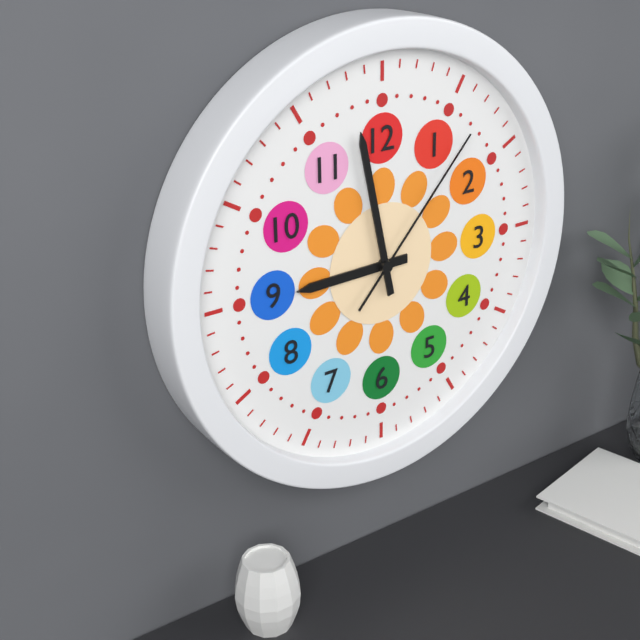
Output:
**8:58:07**
